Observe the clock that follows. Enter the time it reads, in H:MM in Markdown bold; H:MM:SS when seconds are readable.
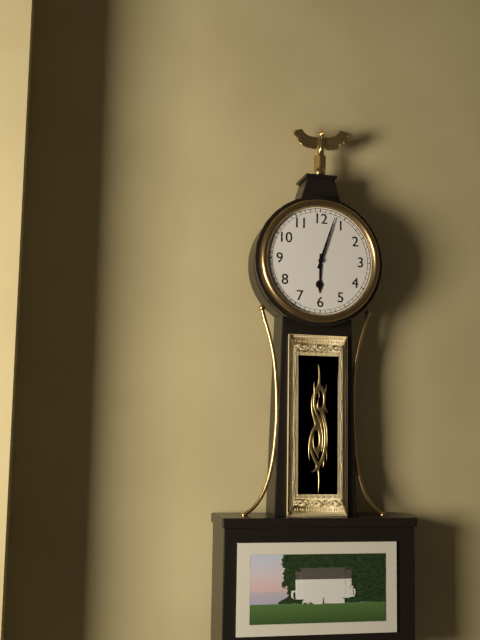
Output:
**6:03**
